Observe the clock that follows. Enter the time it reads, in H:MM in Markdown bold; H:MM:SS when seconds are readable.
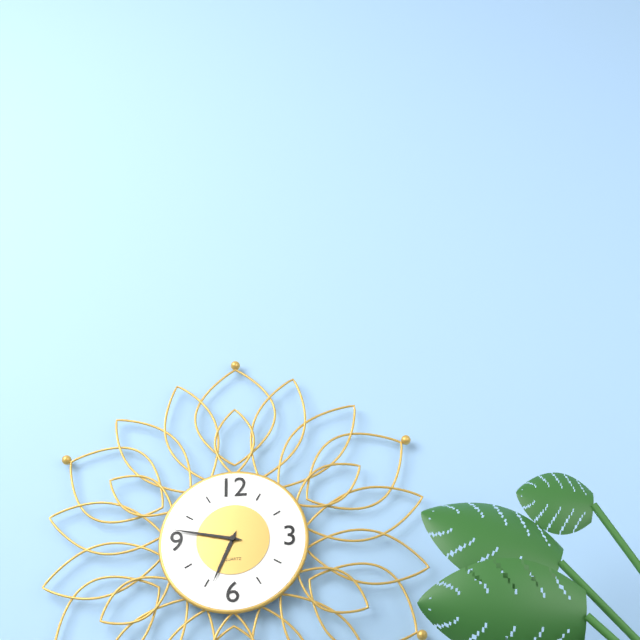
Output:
**6:47**
